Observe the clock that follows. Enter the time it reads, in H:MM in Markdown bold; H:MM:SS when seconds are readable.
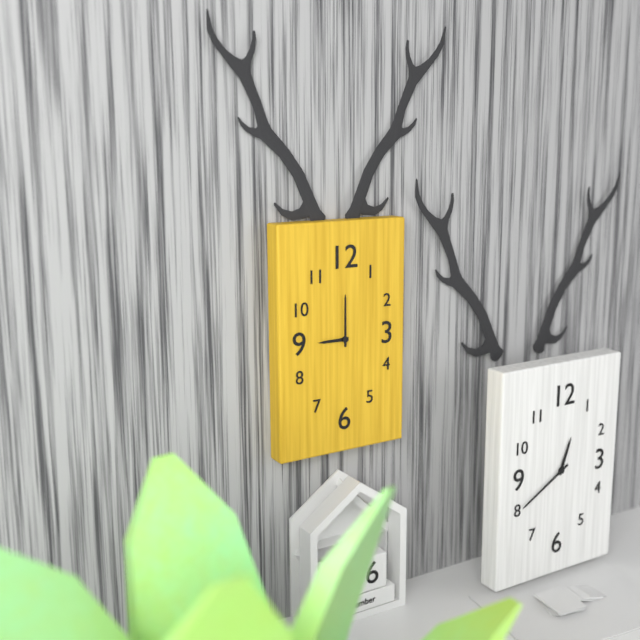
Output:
**9:00**
